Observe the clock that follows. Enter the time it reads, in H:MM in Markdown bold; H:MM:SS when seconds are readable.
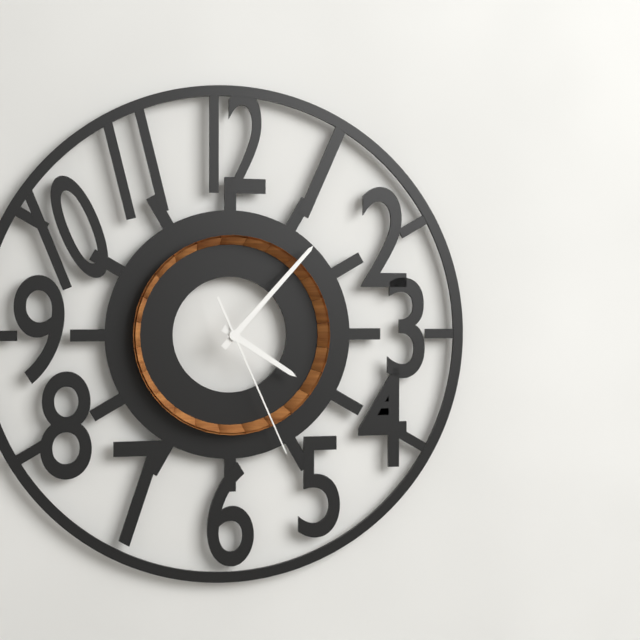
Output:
**4:07:26**
